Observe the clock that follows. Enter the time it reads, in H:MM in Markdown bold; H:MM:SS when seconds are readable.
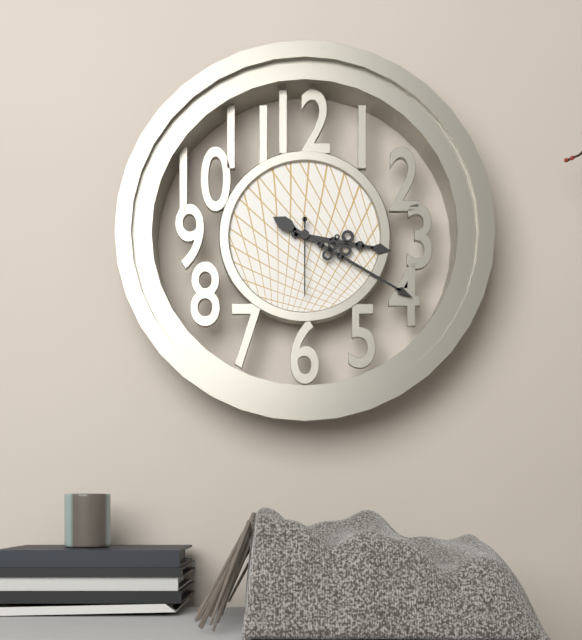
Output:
**3:20:30**
